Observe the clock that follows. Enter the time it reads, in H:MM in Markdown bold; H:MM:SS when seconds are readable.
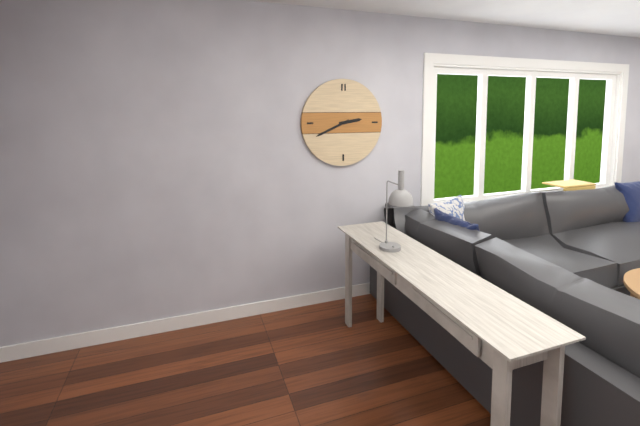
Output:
**2:41**
